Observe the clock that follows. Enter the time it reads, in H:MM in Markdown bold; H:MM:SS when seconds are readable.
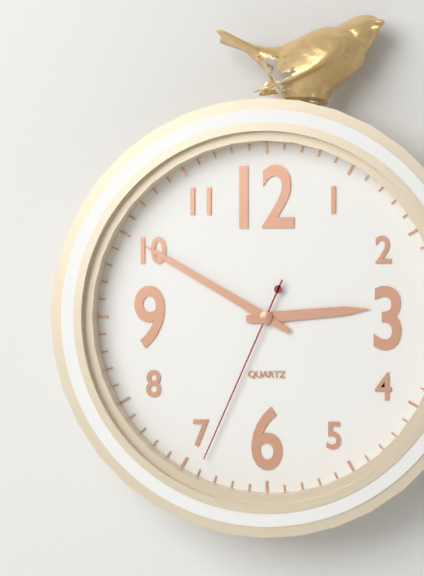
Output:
**2:50:34**
